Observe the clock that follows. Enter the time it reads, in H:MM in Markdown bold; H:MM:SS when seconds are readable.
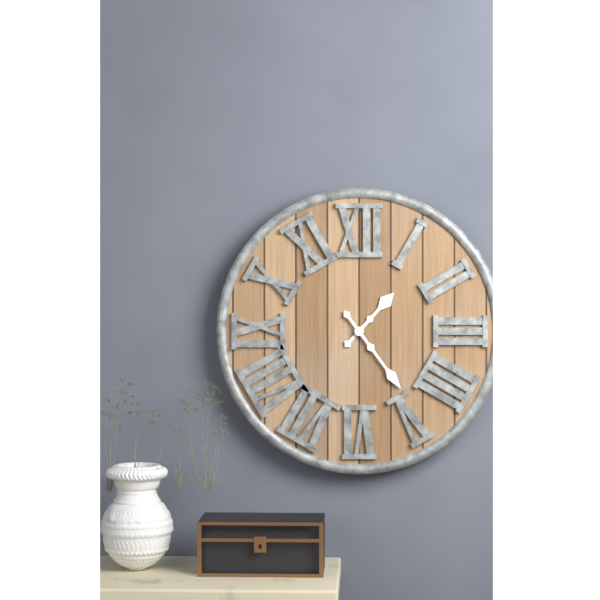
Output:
**1:24**
